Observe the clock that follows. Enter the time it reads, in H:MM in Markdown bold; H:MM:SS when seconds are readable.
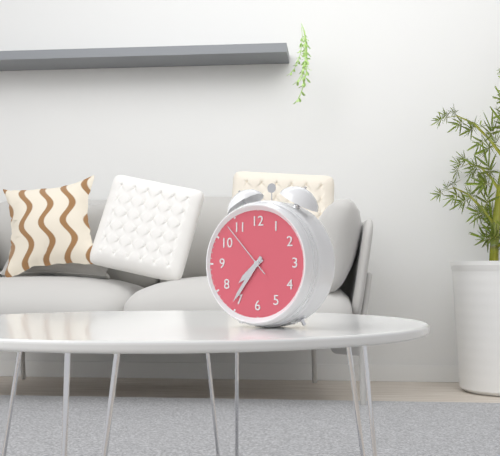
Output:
**7:36:53**
